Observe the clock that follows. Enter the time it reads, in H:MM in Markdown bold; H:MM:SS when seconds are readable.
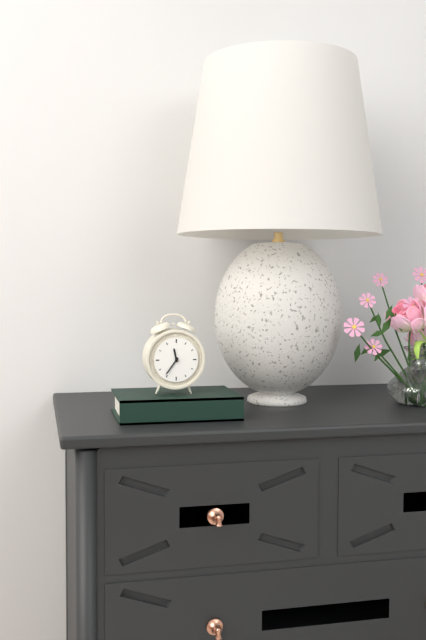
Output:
**11:36**
